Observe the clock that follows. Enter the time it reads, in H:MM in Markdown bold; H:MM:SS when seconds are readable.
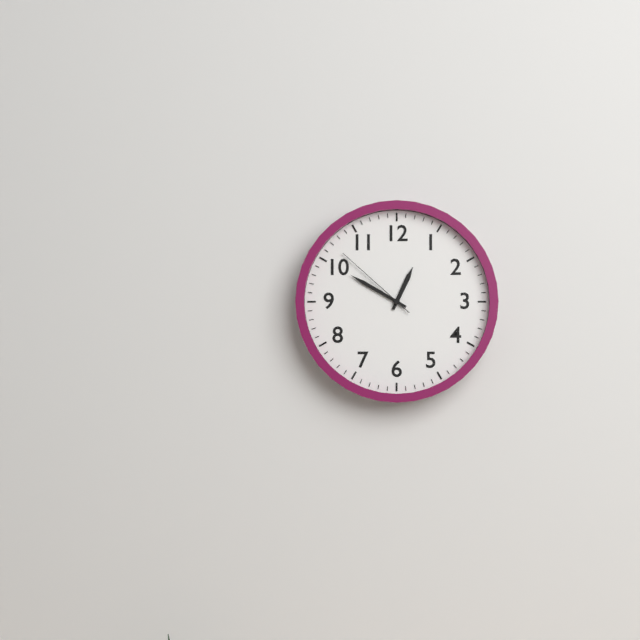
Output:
**12:50:52**
